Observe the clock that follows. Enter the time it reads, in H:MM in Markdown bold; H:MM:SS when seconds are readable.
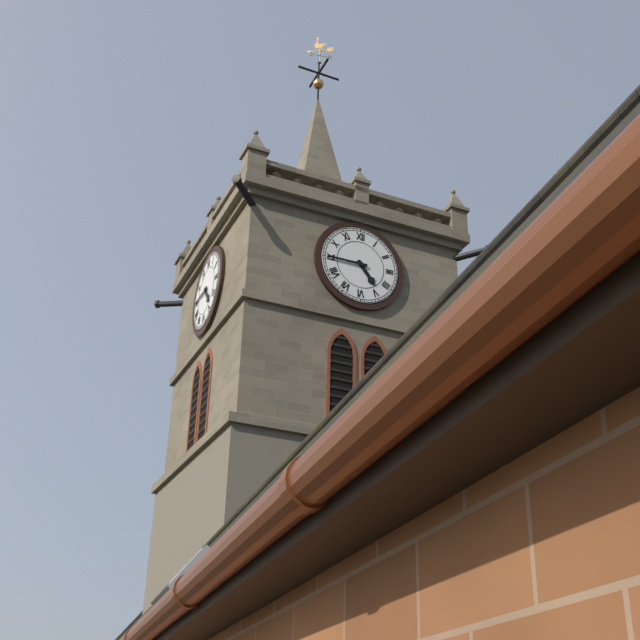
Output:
**4:45**
